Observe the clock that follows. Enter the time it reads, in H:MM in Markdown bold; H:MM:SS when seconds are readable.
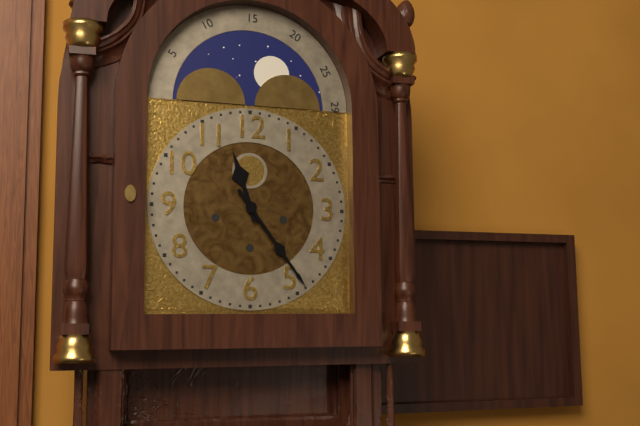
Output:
**11:24**
